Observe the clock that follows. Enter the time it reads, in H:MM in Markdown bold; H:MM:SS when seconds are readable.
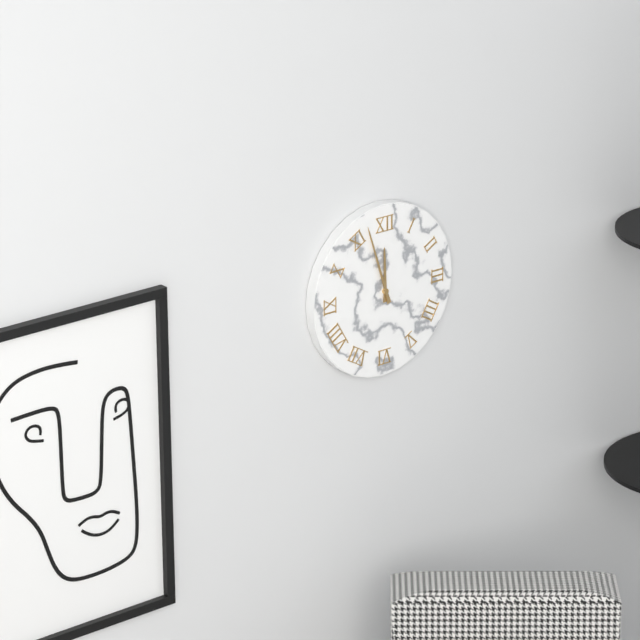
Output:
**11:57**
